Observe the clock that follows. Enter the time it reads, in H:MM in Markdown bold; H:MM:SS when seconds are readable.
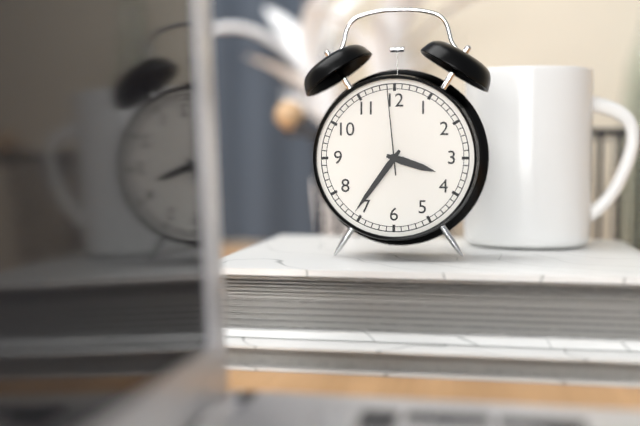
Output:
**3:36:59**
